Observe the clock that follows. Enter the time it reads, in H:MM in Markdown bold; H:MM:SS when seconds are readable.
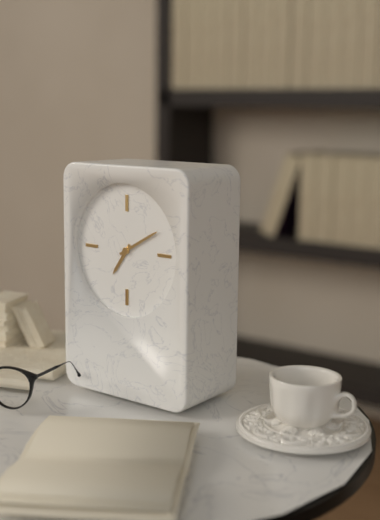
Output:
**7:10**
